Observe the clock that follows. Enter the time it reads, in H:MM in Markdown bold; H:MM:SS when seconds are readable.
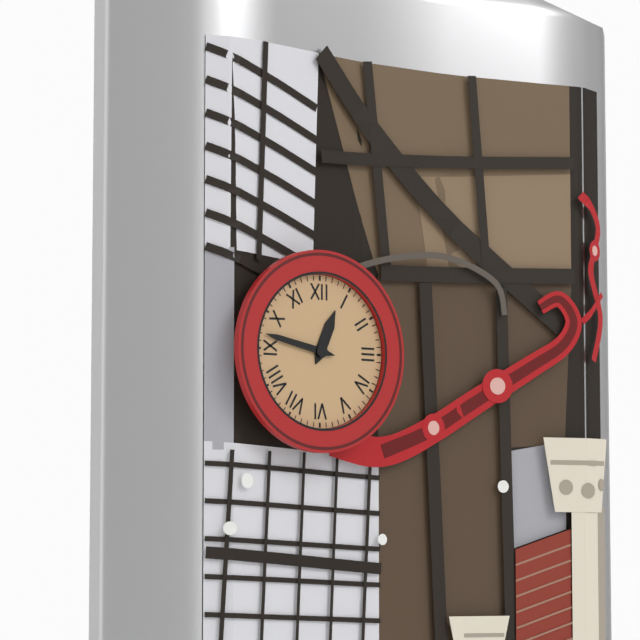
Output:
**12:47**
